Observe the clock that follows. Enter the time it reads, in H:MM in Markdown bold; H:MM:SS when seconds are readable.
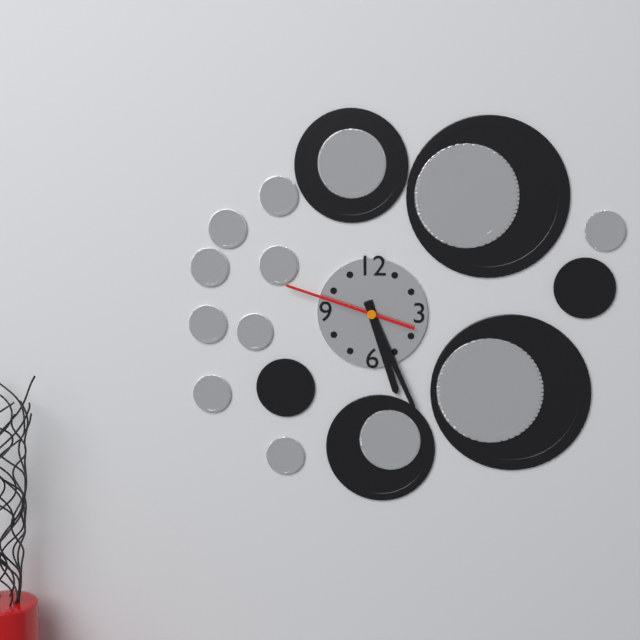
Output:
**5:26:48**
